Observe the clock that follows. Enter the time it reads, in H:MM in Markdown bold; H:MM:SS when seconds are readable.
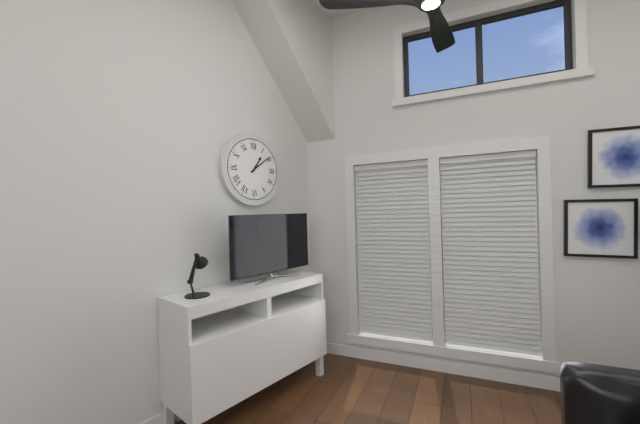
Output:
**1:09**
